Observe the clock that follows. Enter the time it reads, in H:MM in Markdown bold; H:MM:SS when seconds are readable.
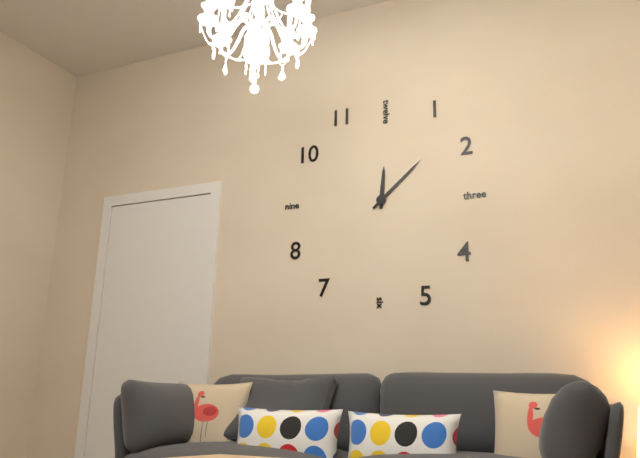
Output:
**12:08**
